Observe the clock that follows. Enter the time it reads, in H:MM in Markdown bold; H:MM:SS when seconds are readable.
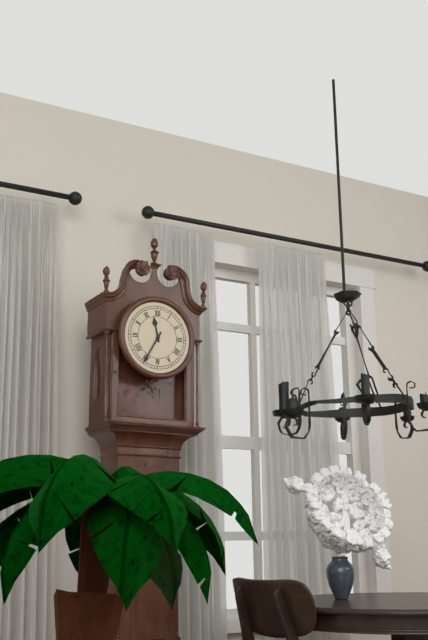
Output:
**11:35**
